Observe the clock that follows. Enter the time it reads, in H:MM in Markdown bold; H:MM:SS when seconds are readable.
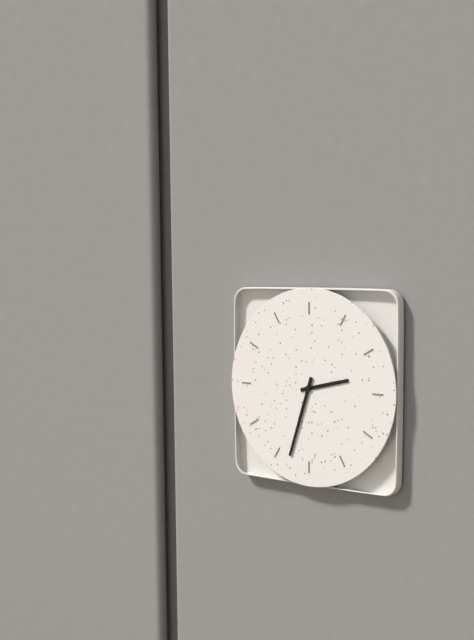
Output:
**2:33**
